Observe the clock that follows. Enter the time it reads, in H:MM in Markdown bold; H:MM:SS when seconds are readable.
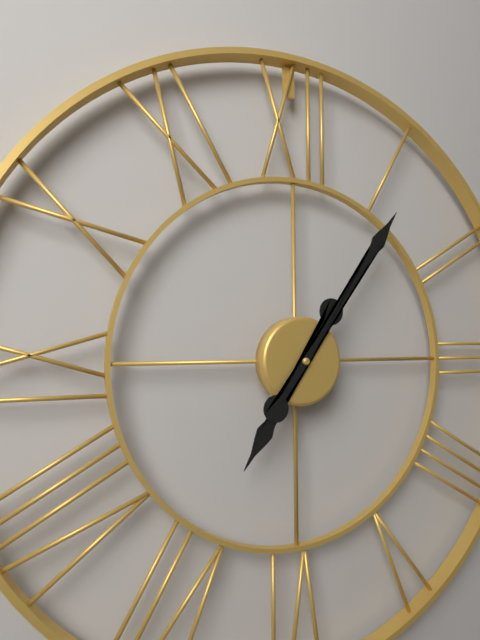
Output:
**7:06**
